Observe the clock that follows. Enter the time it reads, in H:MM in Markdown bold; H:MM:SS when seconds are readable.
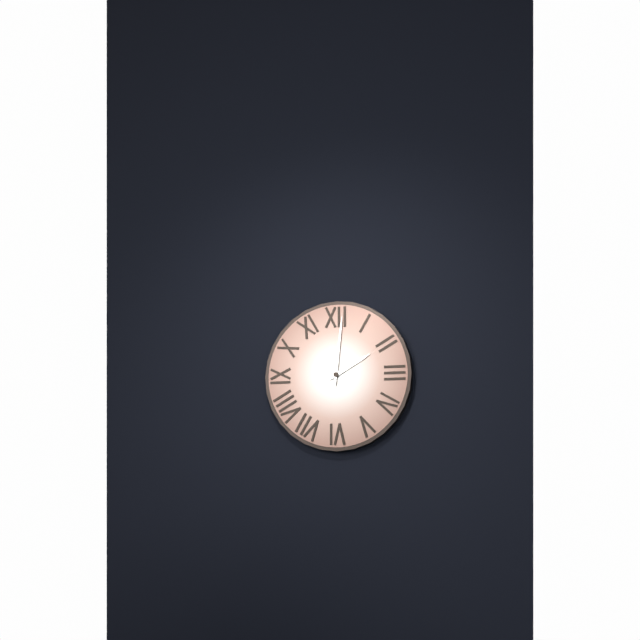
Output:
**2:01**
